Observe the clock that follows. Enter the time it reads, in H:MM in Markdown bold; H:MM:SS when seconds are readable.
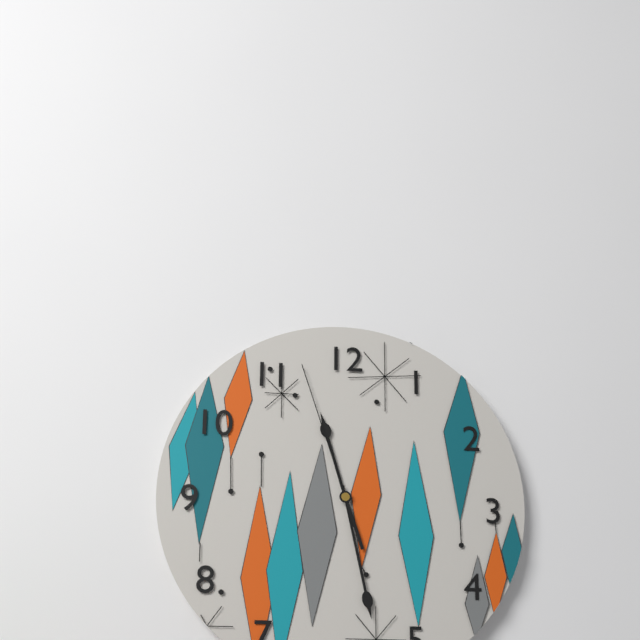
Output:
**11:28:57**
